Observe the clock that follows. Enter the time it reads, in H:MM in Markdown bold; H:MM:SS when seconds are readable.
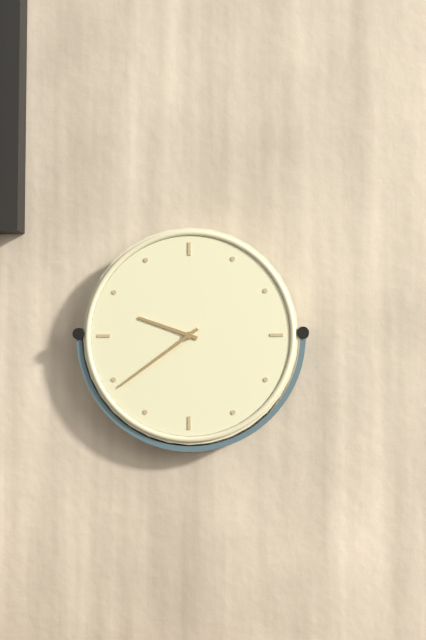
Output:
**9:39**
